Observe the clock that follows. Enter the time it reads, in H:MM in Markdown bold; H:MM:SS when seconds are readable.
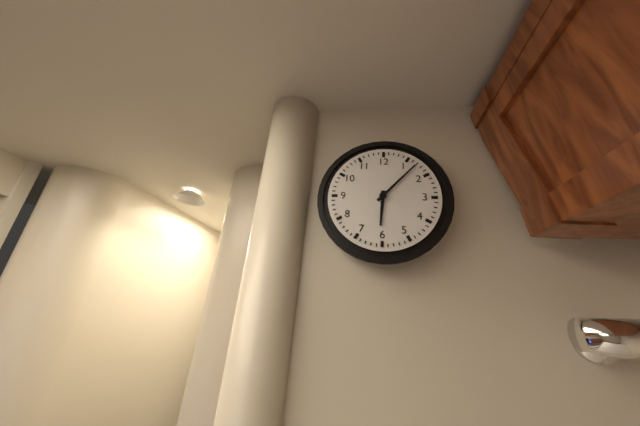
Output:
**6:07**
